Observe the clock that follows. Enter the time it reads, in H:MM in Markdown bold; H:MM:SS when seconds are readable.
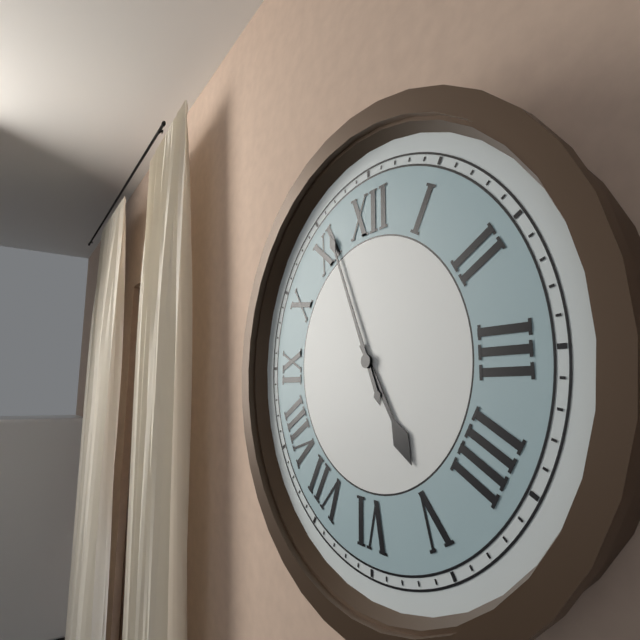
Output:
**4:56**
